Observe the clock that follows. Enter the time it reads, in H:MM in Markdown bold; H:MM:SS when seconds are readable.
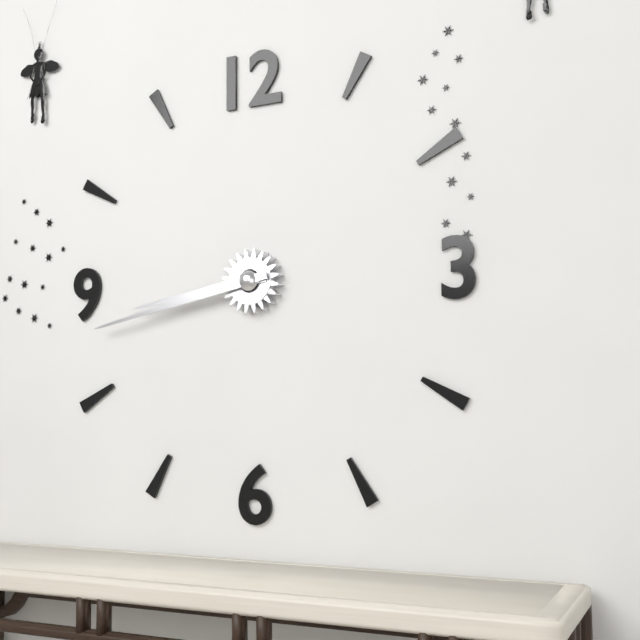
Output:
**8:43**
